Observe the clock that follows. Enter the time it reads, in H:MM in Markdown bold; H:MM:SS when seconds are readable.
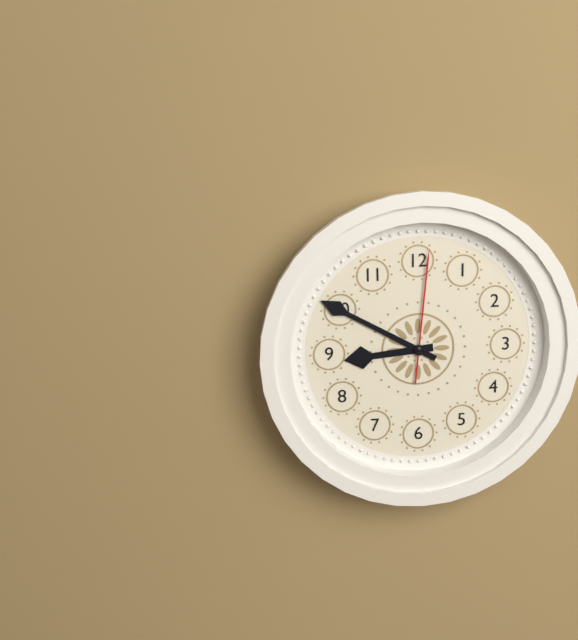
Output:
**8:50:01**
